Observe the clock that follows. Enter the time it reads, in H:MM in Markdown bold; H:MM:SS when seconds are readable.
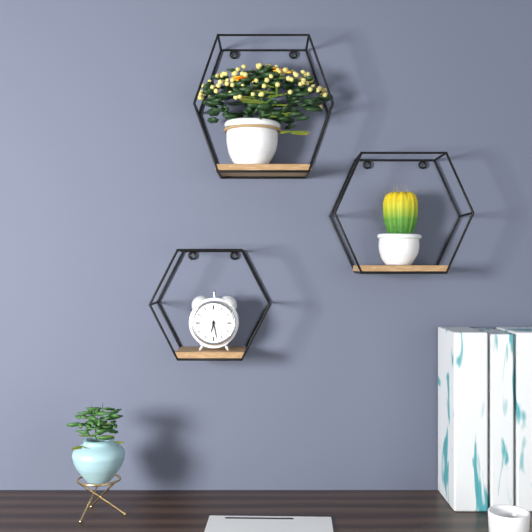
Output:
**6:28**
